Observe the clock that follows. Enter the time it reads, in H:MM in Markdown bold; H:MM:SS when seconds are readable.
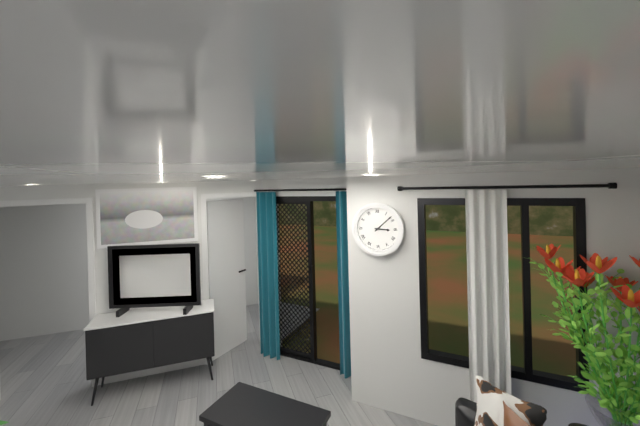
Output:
**3:08**
